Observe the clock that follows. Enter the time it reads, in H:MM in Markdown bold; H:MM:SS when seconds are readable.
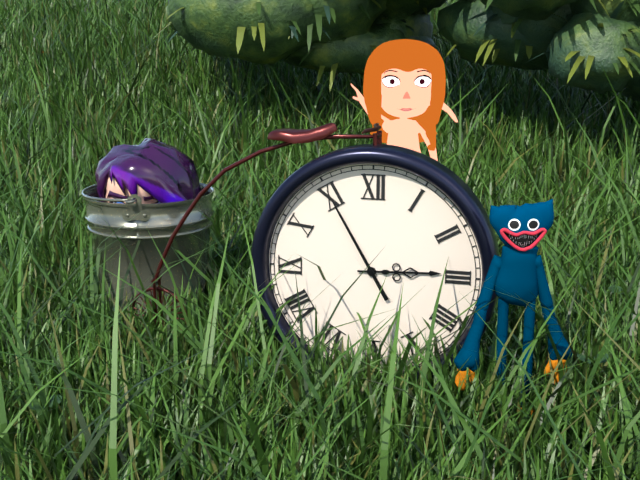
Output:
**2:55**
